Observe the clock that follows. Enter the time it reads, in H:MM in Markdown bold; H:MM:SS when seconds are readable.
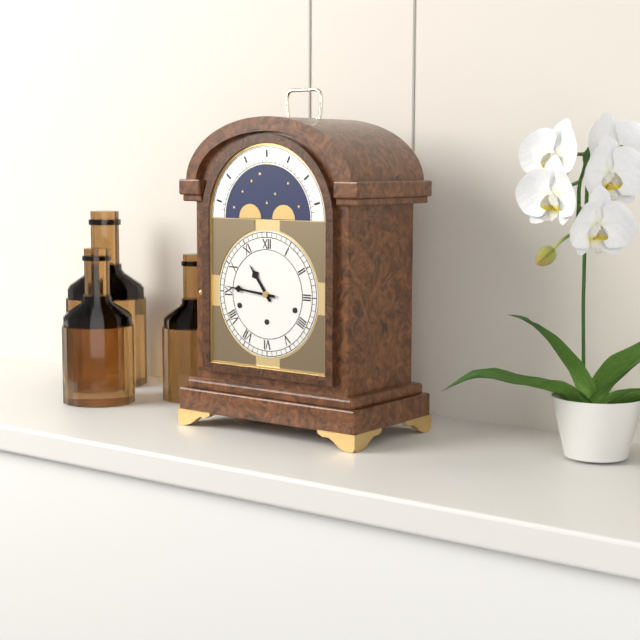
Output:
**10:46**
